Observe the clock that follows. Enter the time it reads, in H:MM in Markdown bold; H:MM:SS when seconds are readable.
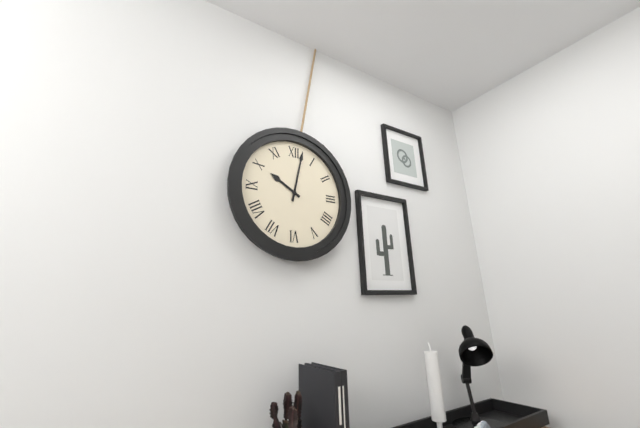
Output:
**10:02**
